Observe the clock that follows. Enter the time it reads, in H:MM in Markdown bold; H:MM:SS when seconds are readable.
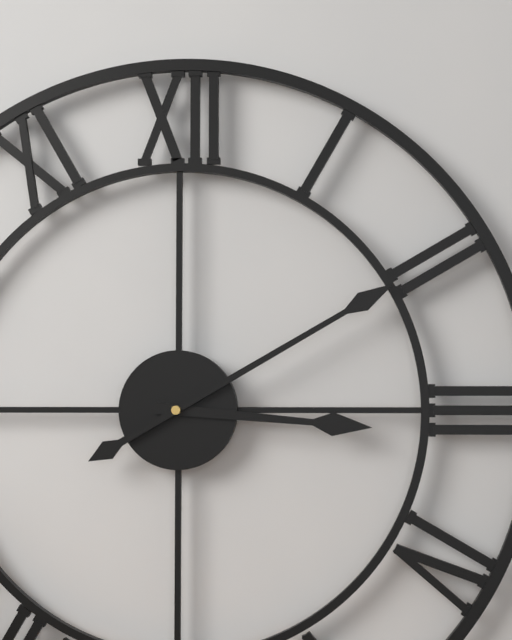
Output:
**3:10**
